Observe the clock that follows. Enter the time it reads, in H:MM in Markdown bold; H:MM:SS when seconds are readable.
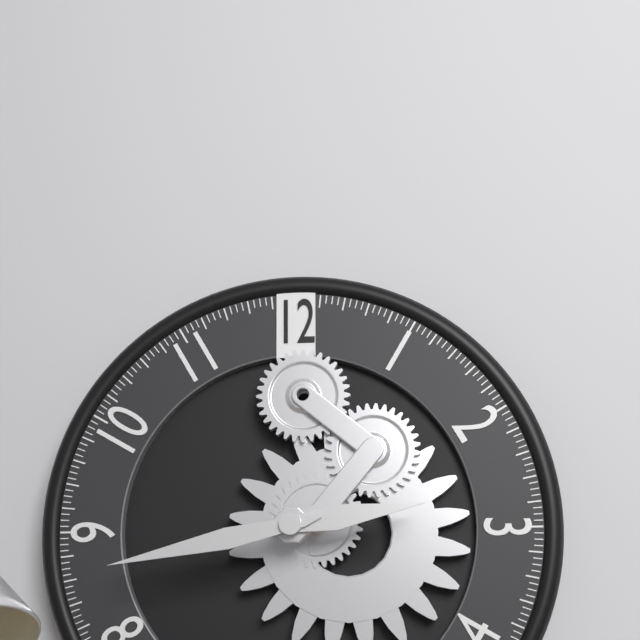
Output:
**2:43**
